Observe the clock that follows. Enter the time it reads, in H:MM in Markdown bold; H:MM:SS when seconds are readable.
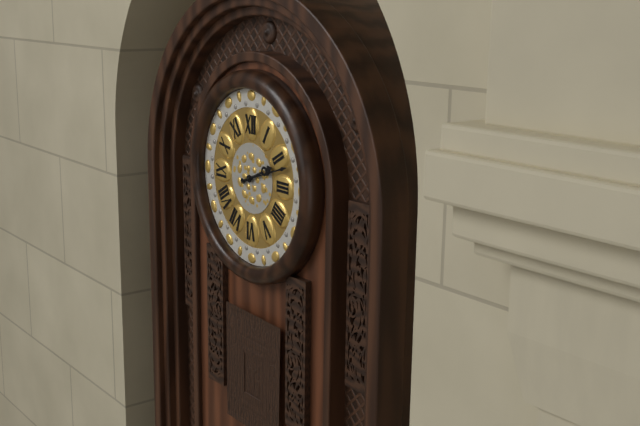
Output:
**2:12**
